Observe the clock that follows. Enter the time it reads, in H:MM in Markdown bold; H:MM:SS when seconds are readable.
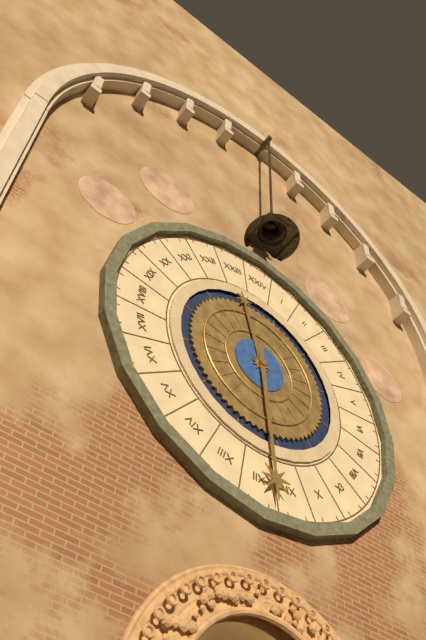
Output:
**11:29**
